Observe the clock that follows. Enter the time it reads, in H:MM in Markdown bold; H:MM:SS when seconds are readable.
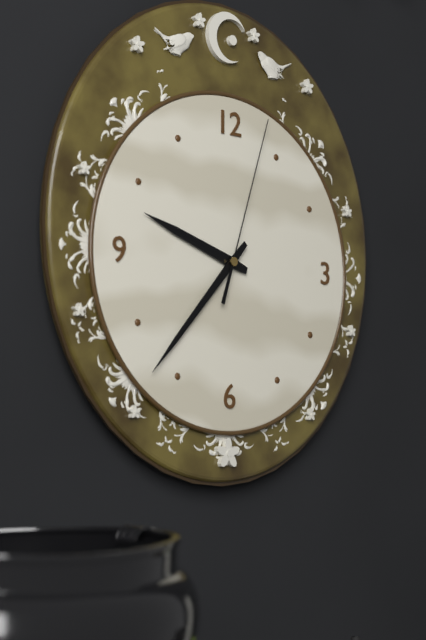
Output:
**9:37:03**
